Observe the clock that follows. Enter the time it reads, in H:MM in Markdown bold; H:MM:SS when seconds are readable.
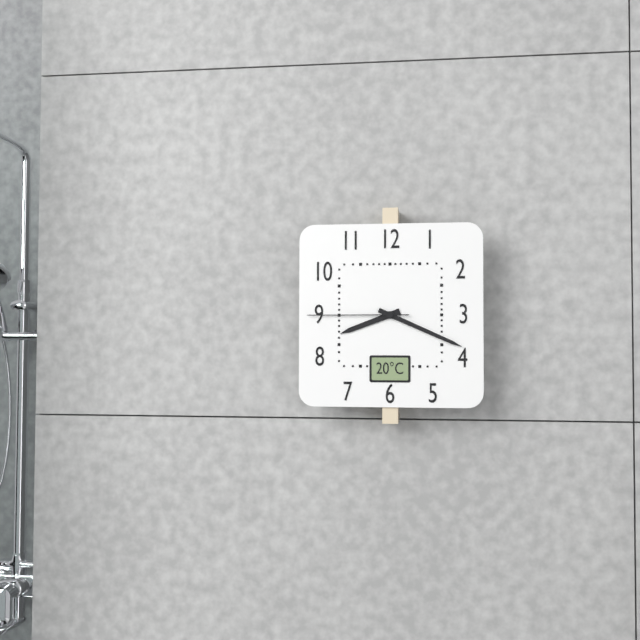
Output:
**8:19:45**
